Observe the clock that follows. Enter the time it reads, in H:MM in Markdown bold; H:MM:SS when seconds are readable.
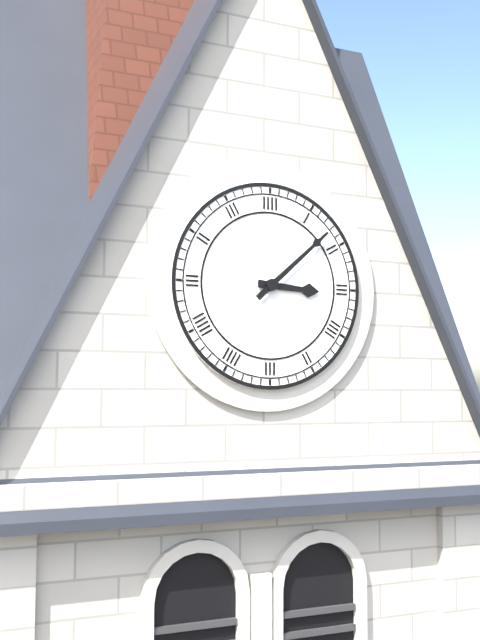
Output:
**3:08**
